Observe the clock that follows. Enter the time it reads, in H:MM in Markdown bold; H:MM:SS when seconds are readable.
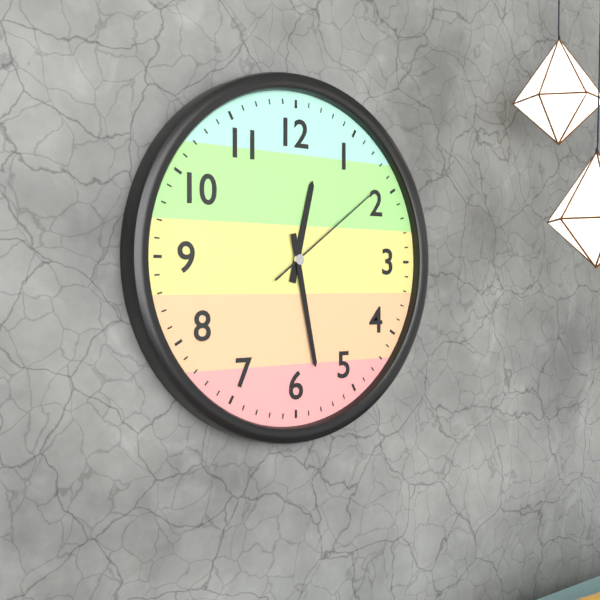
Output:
**12:28:09**
